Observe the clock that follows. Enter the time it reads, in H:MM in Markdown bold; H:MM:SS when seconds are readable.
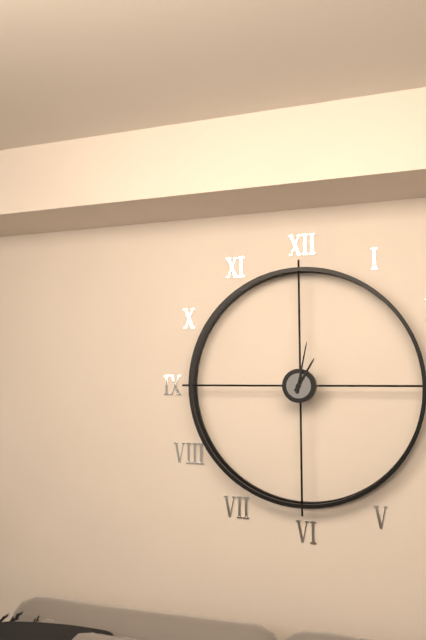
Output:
**1:02**
